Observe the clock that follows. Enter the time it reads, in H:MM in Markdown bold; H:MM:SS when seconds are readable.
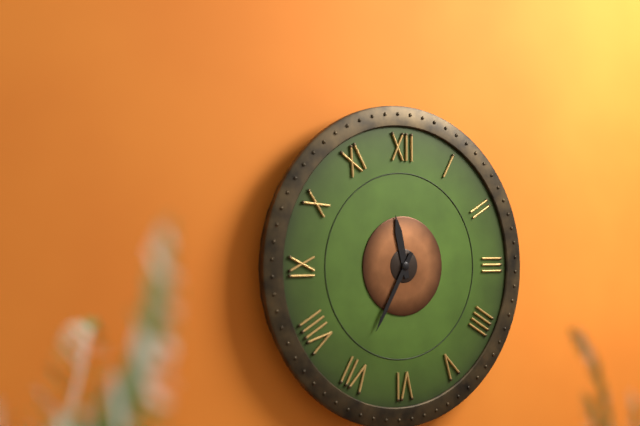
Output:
**11:35**
